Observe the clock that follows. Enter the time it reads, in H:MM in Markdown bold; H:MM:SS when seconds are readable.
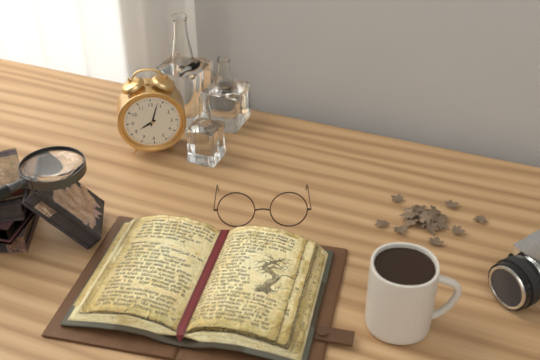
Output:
**8:03**
